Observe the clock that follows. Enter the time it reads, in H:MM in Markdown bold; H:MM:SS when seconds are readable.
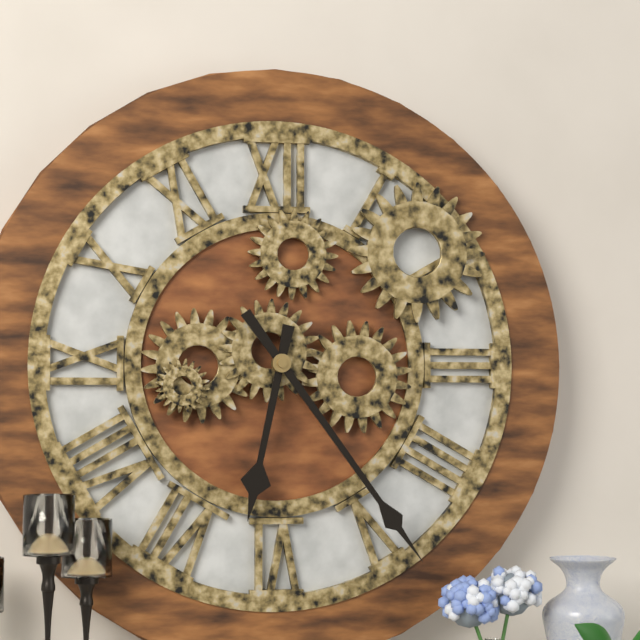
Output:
**6:24**
